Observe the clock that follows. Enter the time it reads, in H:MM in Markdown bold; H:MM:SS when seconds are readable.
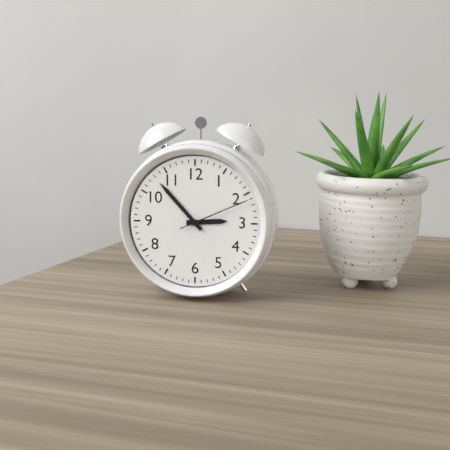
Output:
**2:53:11**
